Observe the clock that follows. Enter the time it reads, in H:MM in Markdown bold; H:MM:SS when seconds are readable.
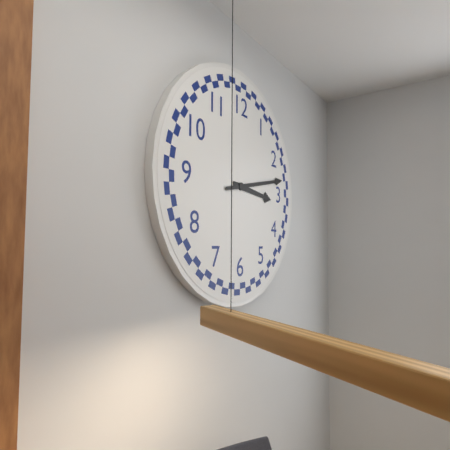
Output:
**3:13**
